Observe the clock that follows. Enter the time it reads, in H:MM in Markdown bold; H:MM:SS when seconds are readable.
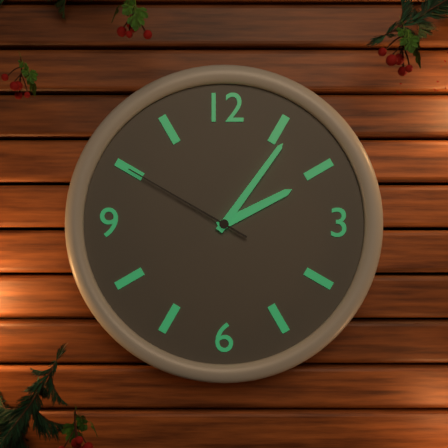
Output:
**2:06:50**
